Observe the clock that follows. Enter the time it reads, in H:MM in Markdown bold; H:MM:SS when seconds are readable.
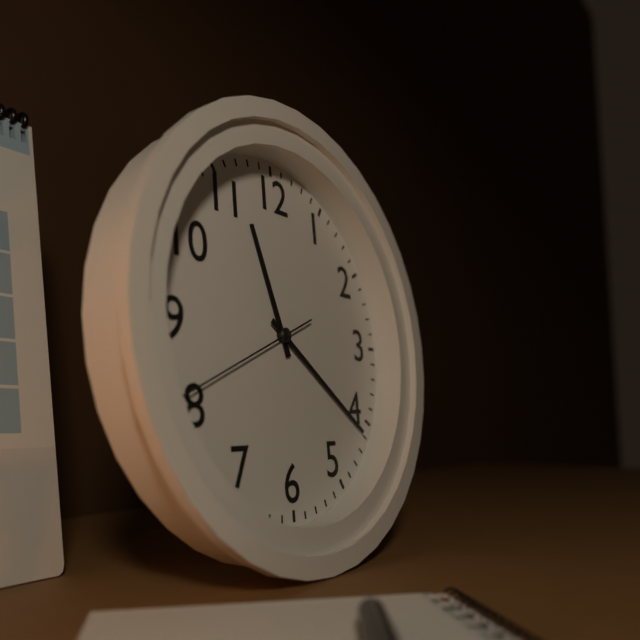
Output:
**11:21:41**
